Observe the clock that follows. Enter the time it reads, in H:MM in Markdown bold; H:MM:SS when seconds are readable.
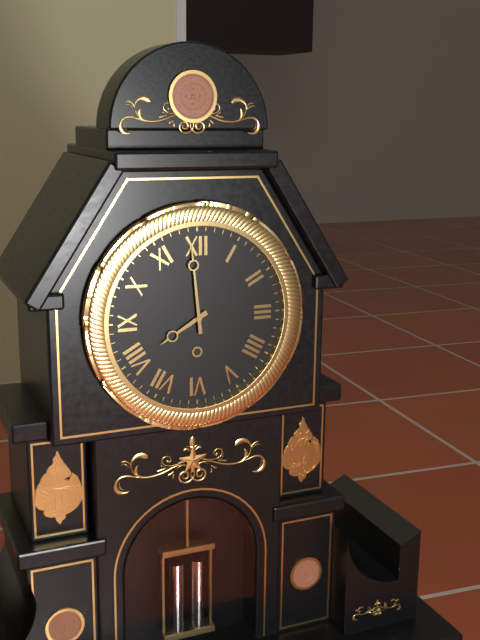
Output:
**7:59**
